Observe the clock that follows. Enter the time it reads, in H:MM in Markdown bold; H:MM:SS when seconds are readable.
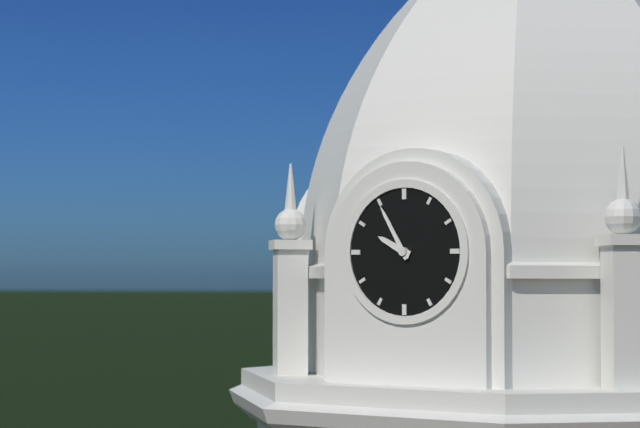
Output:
**9:55**
